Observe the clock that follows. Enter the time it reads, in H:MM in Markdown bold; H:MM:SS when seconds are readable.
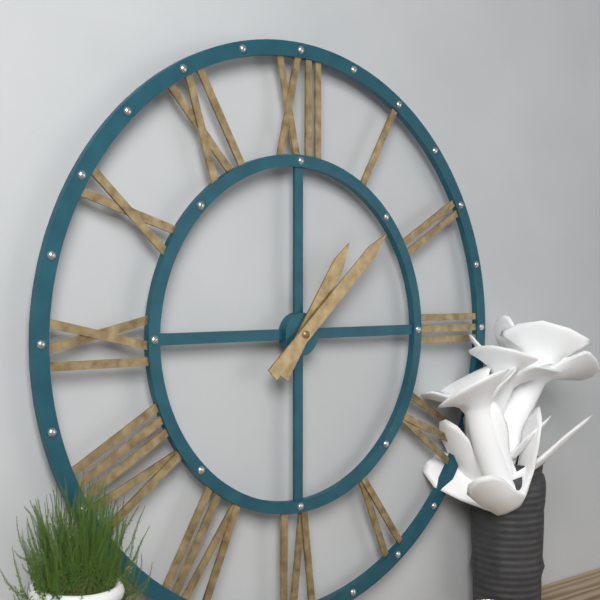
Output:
**1:08**
